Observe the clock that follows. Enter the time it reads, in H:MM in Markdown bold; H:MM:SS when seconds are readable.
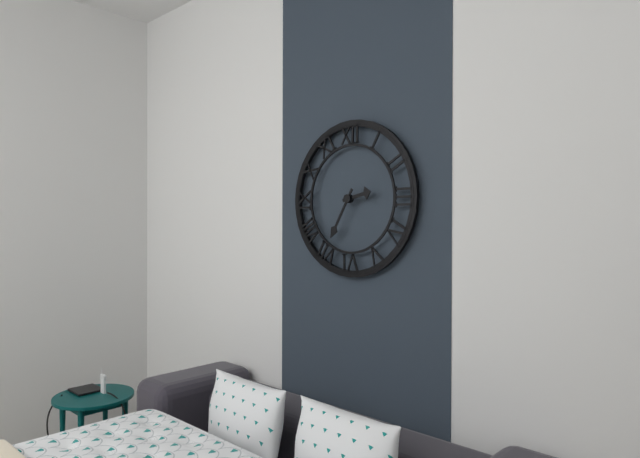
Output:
**2:35**
